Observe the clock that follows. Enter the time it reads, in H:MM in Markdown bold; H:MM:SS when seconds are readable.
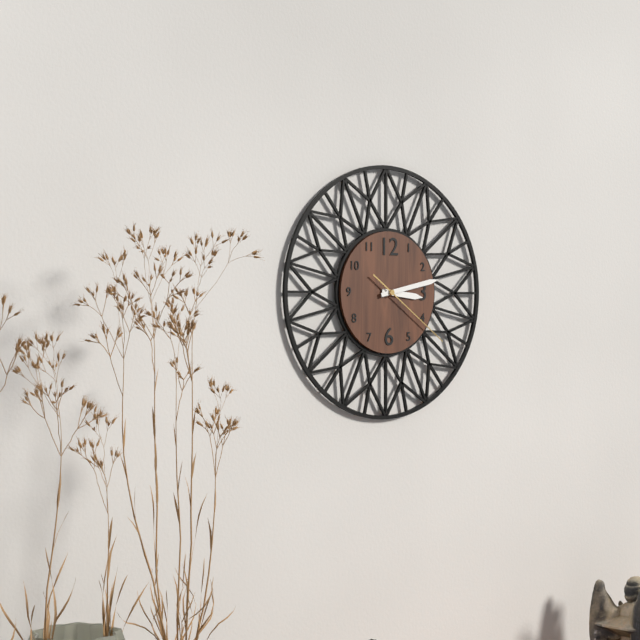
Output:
**3:13:21**
